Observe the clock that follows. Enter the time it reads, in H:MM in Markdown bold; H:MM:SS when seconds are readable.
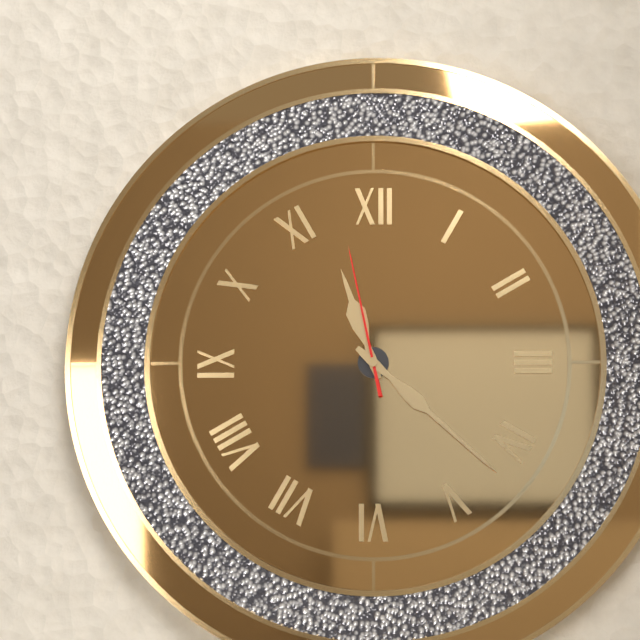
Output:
**11:22:58**
